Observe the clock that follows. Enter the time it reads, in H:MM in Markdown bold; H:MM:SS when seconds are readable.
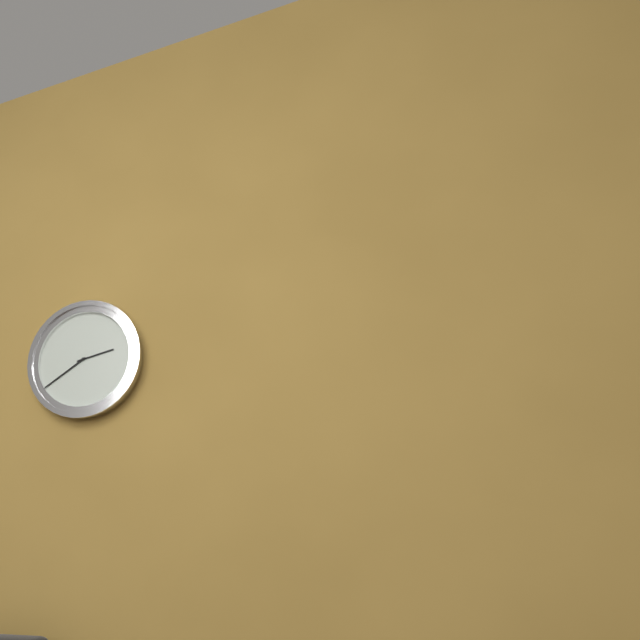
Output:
**2:40**
